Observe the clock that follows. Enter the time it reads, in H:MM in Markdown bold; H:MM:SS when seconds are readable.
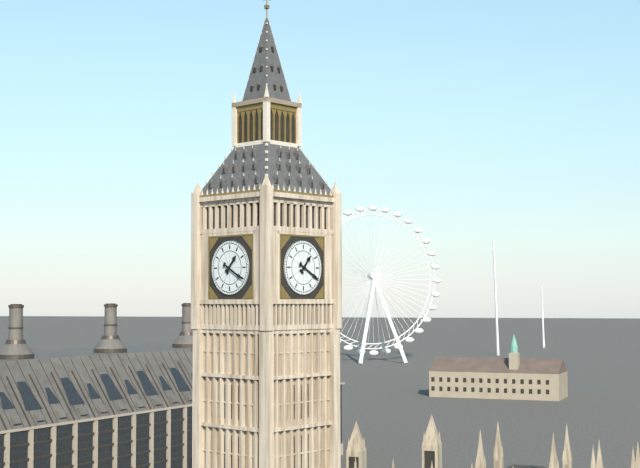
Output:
**1:20**
